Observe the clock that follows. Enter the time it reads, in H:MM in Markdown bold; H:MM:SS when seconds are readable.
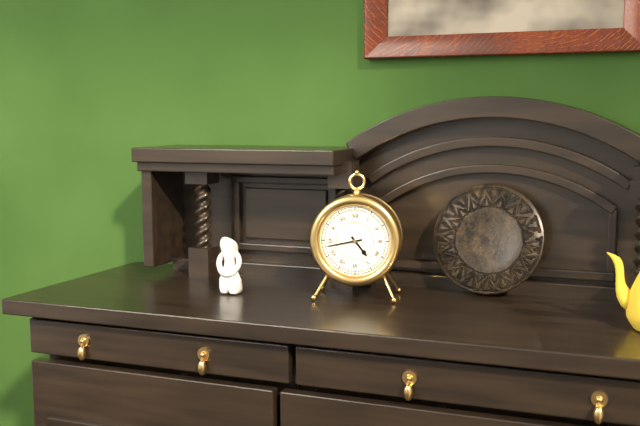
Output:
**4:43**
